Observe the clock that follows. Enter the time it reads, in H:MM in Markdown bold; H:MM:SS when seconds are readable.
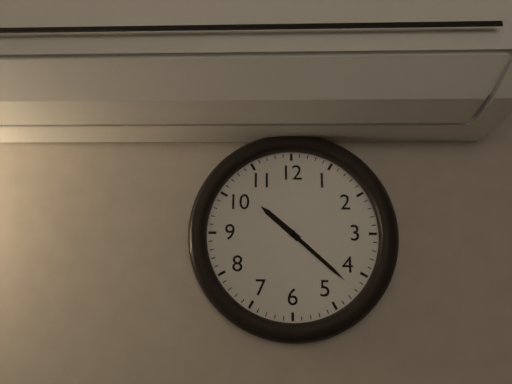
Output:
**10:22**
